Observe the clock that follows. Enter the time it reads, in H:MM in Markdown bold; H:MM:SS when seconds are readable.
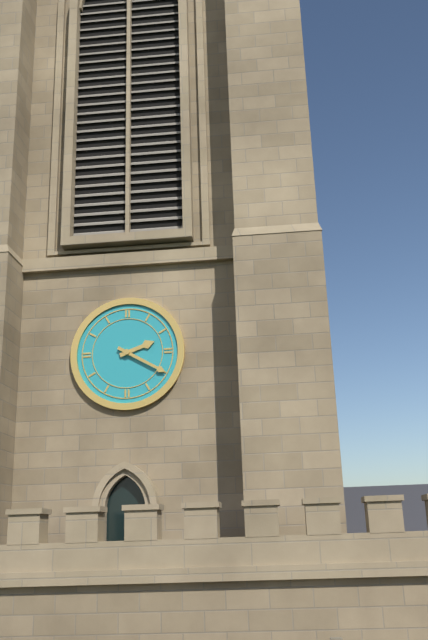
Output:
**2:20**
